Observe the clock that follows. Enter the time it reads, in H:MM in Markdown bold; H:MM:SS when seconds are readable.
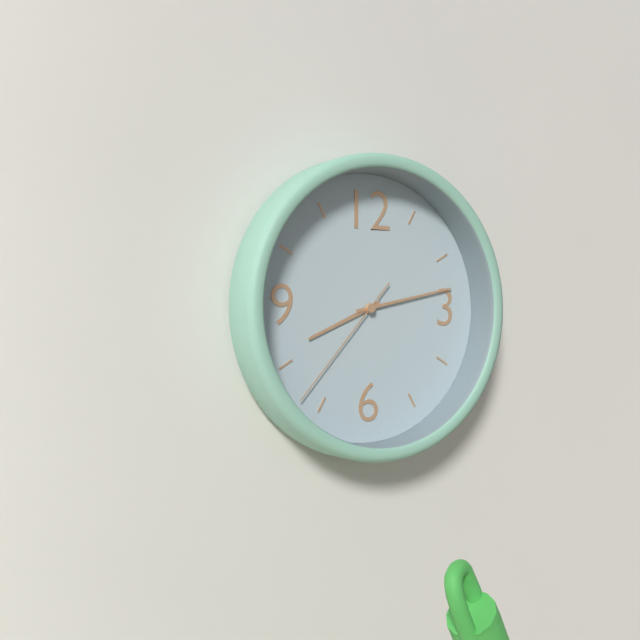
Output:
**8:13:37**
